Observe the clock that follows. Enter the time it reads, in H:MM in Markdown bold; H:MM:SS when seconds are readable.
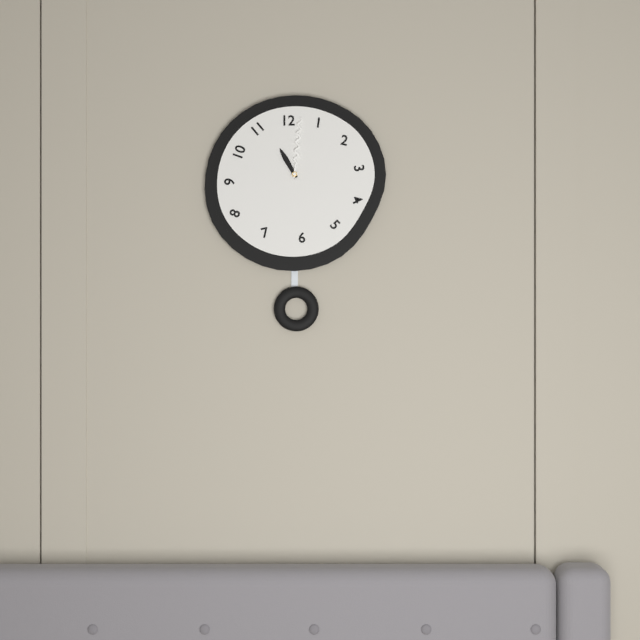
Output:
**11:01**
